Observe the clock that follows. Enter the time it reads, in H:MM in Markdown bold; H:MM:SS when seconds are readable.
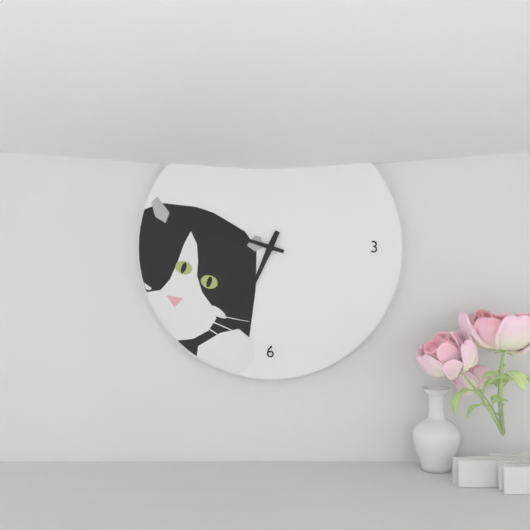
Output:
**6:48**
